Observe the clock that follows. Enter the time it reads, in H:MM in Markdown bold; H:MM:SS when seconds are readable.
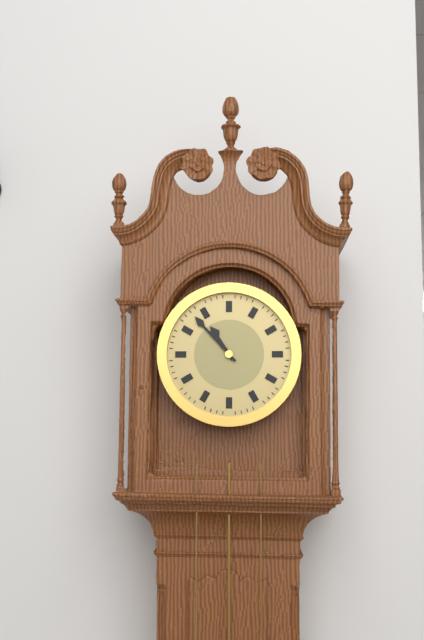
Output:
**10:53**
